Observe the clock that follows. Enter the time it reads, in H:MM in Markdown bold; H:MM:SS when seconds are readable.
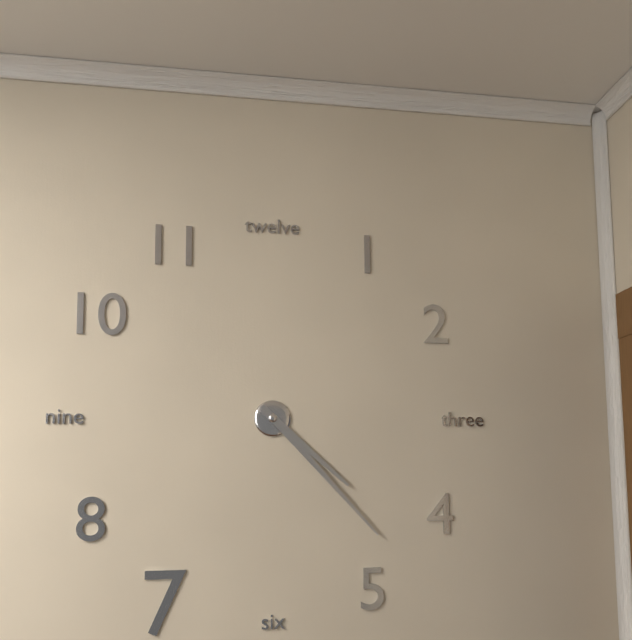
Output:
**4:23**
